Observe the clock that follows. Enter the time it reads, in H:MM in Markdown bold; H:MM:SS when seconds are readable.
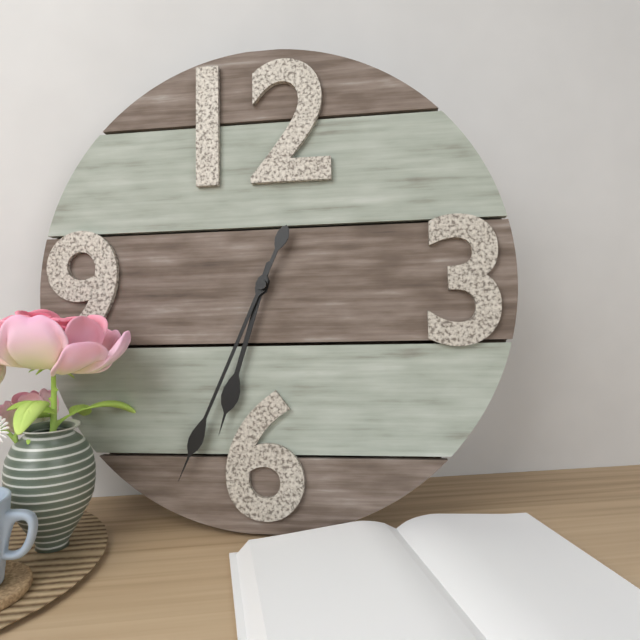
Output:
**6:34**
